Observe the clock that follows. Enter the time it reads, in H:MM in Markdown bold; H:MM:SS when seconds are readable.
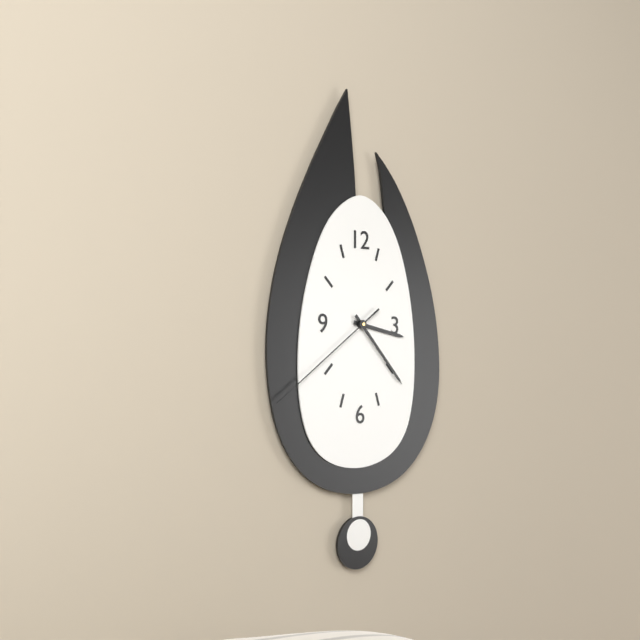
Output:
**3:23:39**
